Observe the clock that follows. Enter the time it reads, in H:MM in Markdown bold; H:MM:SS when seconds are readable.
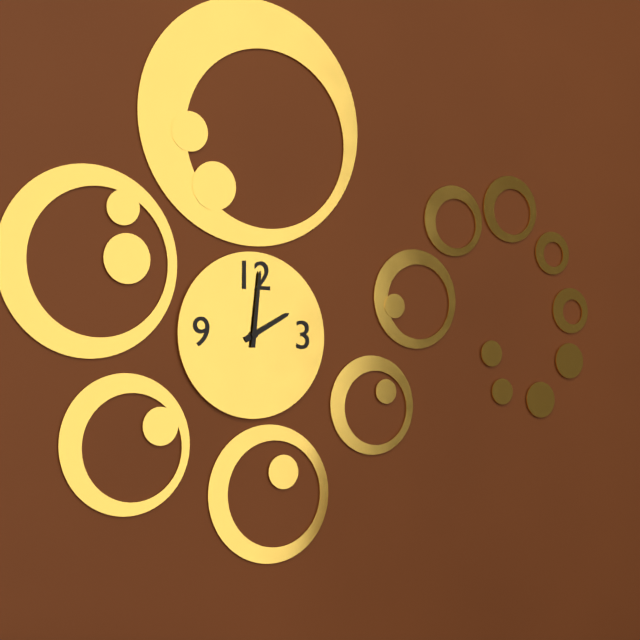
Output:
**2:01**
